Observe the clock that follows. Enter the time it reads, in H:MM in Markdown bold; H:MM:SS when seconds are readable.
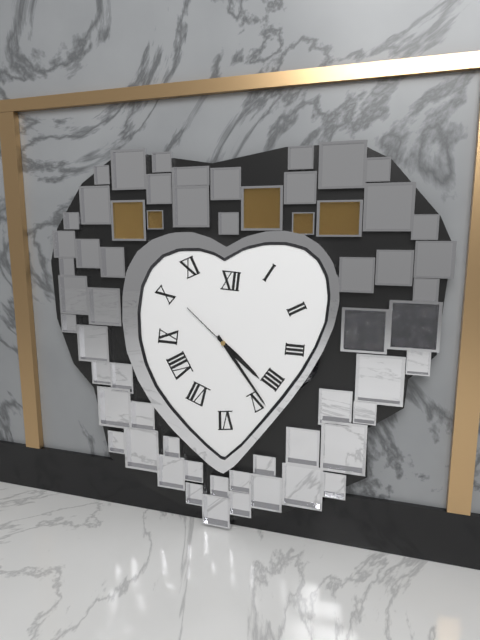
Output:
**4:24:52**
